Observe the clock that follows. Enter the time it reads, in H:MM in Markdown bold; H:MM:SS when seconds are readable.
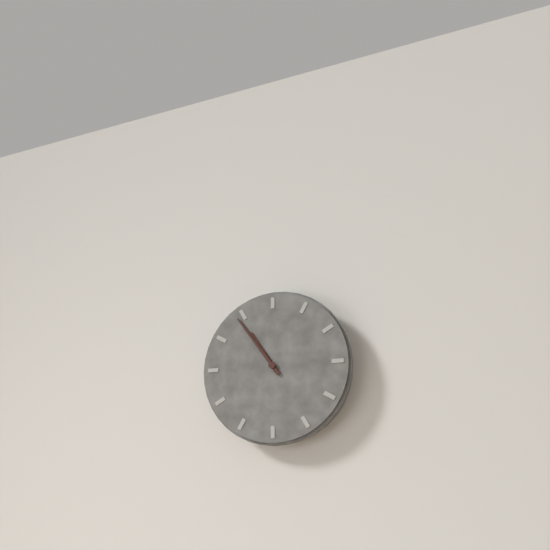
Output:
**10:54**
